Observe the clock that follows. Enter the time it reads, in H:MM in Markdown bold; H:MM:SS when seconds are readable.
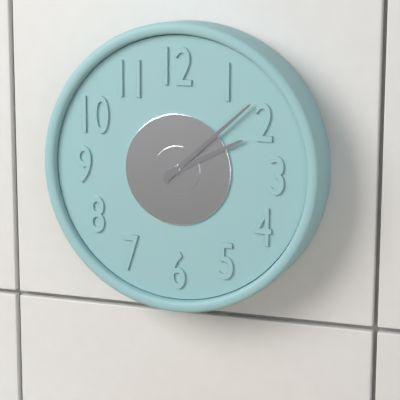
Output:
**2:08**
